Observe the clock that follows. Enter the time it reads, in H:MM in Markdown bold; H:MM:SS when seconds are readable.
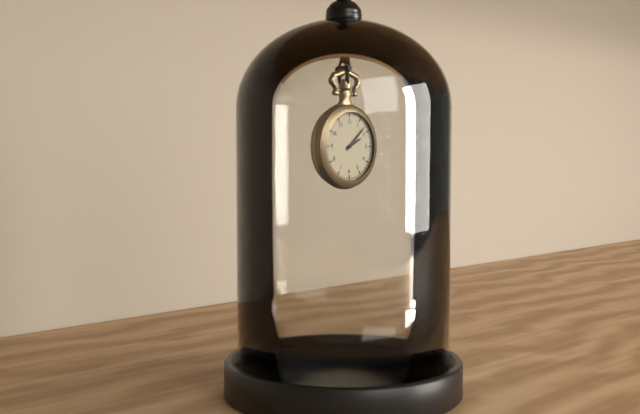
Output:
**2:08**
